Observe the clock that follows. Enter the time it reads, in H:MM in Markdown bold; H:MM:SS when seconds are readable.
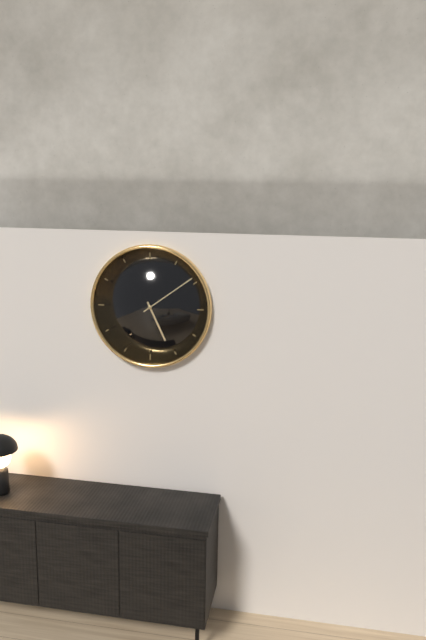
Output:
**5:09**
